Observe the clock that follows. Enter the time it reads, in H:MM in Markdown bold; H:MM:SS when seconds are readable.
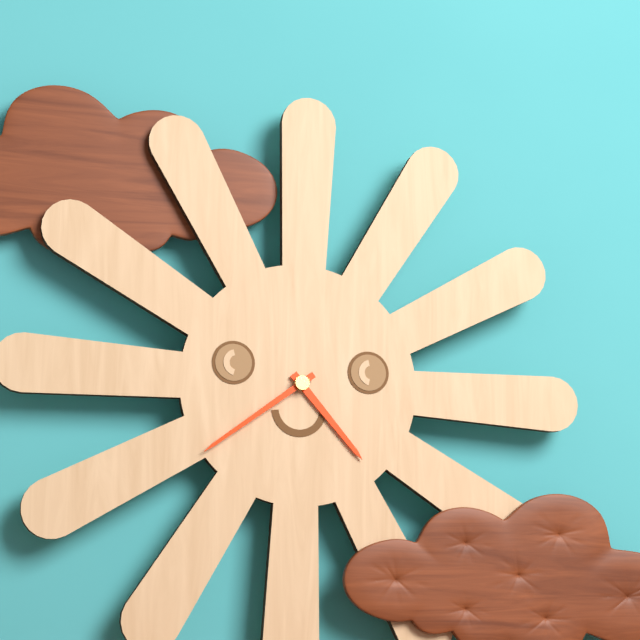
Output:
**4:39**
